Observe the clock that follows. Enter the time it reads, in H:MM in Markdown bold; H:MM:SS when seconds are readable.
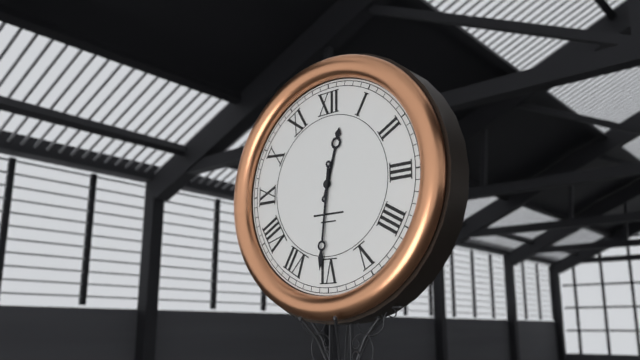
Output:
**12:31**
